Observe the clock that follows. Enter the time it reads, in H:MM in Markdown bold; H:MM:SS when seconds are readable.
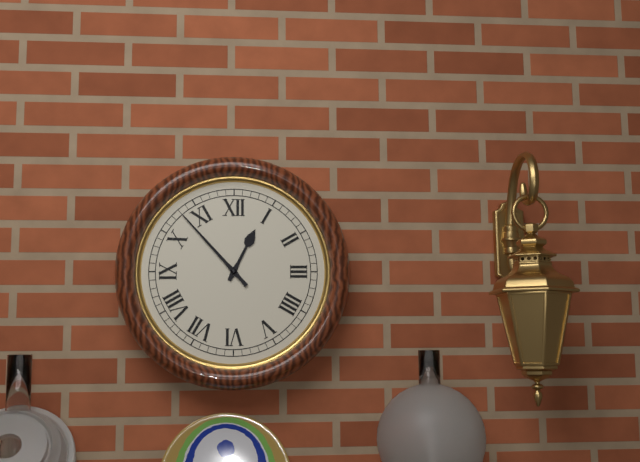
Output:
**12:53**
